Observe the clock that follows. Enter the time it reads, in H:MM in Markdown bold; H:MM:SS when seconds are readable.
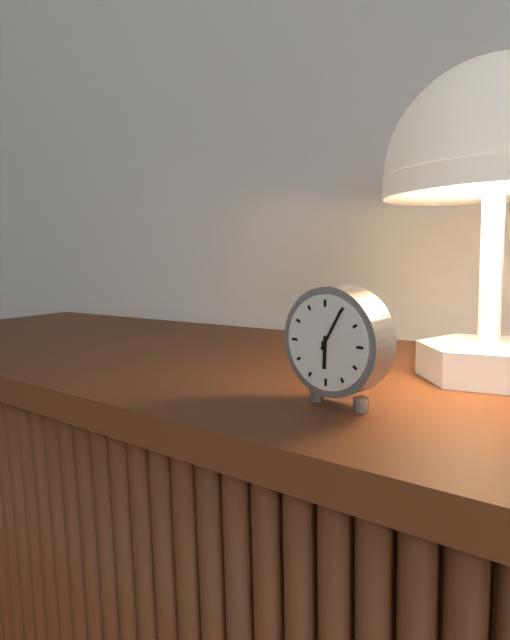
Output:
**6:05**
